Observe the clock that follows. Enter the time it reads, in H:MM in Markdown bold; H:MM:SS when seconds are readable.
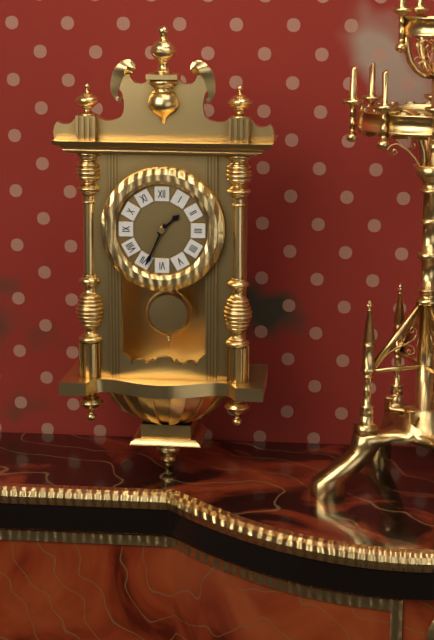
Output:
**1:34**
